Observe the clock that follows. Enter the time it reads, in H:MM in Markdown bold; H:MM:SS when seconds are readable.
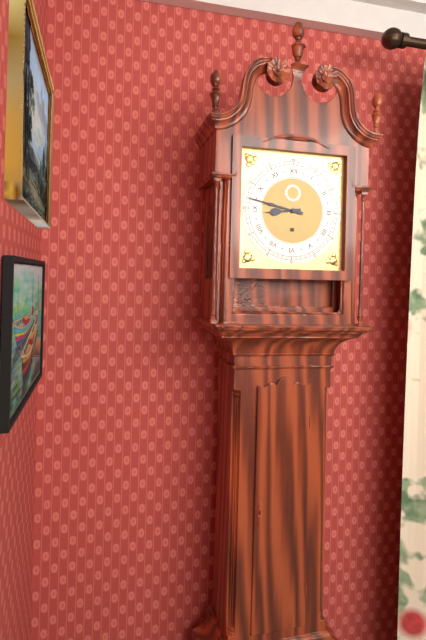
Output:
**8:47**
